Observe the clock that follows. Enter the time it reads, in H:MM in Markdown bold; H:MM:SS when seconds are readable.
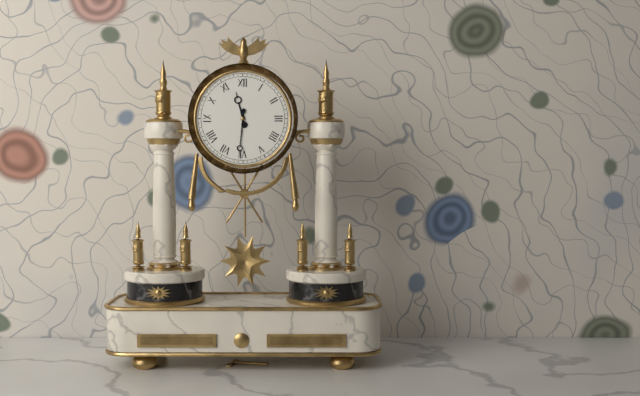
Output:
**11:31**
